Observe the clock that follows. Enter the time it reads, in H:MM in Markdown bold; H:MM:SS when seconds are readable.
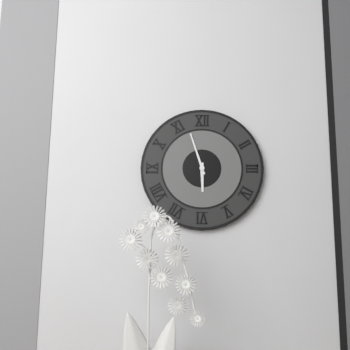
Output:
**5:57**
